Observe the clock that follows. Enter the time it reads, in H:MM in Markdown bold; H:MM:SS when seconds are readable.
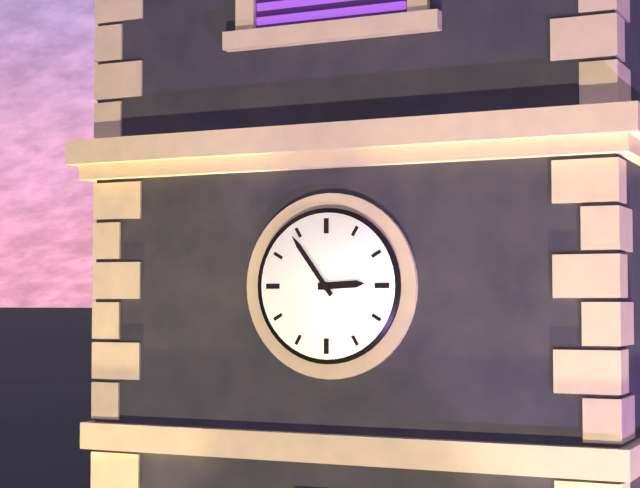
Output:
**2:54**
